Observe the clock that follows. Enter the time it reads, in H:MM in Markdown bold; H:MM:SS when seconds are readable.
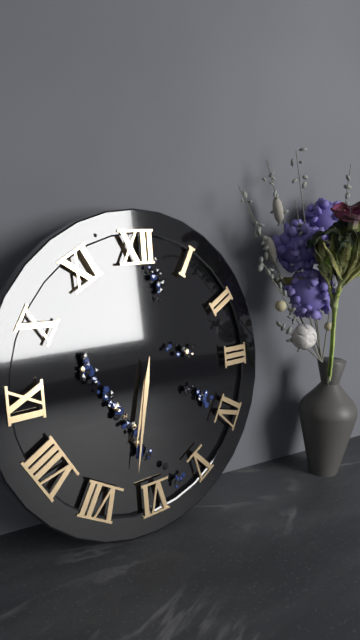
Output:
**6:32**
